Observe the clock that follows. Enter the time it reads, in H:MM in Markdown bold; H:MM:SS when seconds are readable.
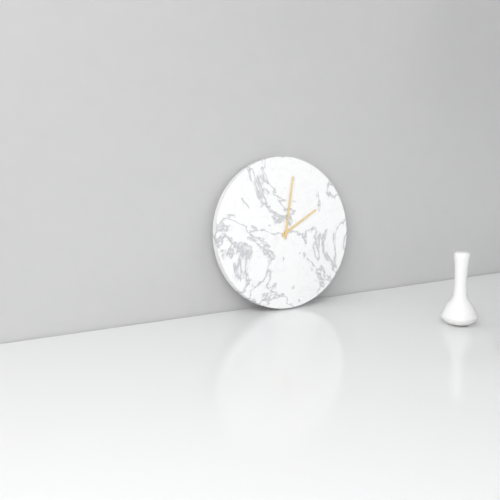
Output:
**2:02**
